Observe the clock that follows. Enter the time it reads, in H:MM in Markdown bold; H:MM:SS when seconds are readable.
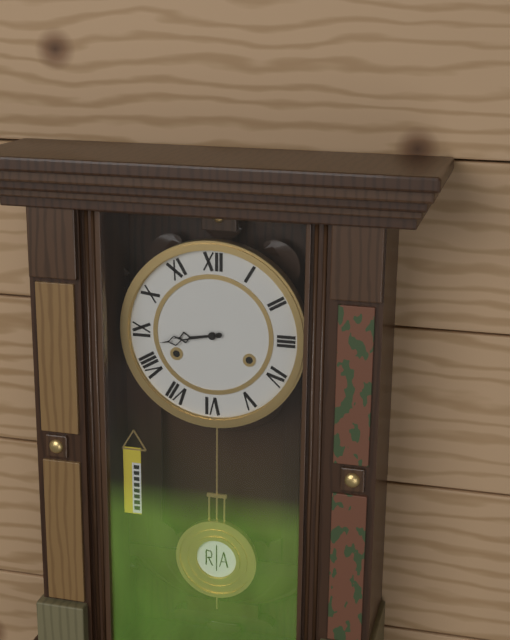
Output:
**8:43**
